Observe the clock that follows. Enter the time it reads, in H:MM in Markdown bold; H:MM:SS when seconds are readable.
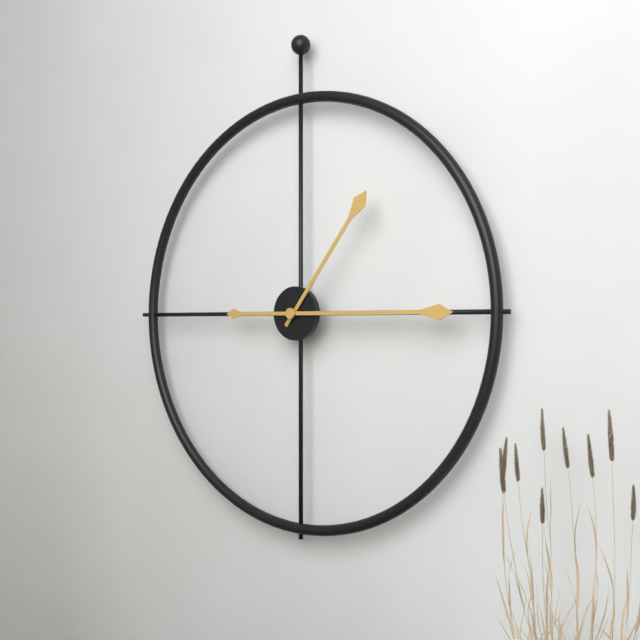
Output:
**1:15**
